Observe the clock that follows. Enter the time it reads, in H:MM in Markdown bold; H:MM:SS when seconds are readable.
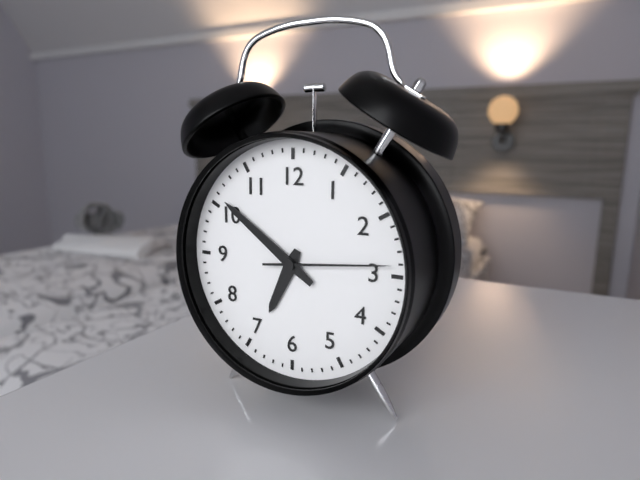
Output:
**6:51:14**
